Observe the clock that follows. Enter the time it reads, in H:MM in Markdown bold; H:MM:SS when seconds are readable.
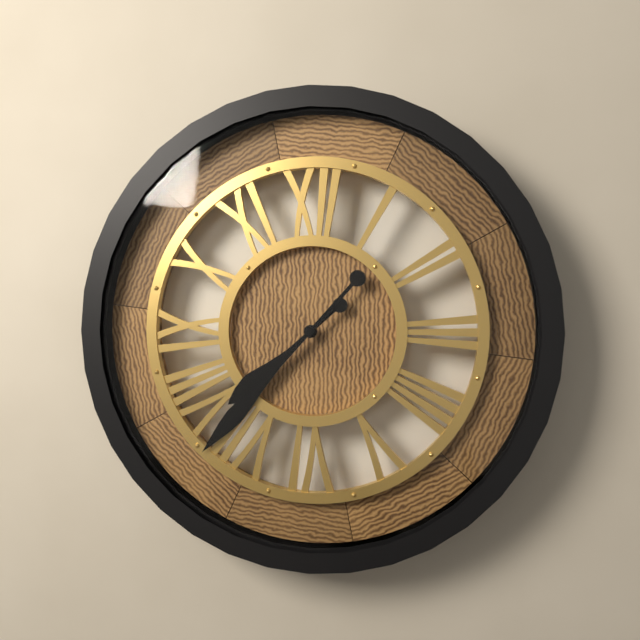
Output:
**7:37**
